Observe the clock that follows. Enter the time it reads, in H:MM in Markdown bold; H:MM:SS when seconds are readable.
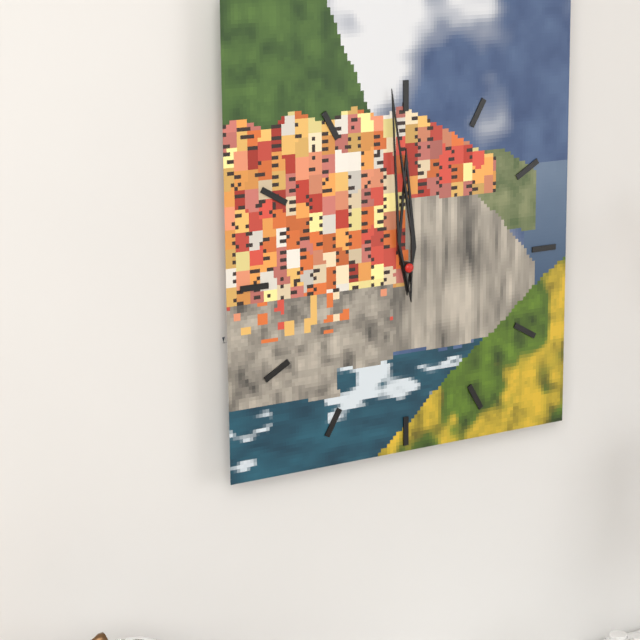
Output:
**11:59**
